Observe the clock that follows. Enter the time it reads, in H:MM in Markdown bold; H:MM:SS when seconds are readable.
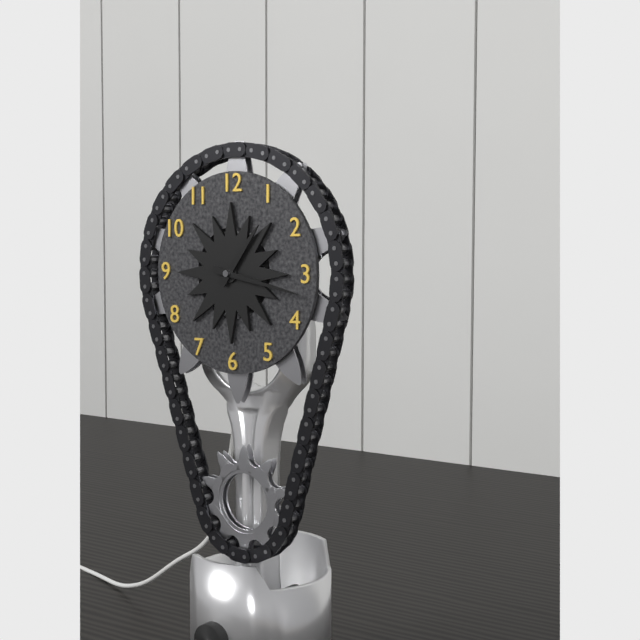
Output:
**1:17**
